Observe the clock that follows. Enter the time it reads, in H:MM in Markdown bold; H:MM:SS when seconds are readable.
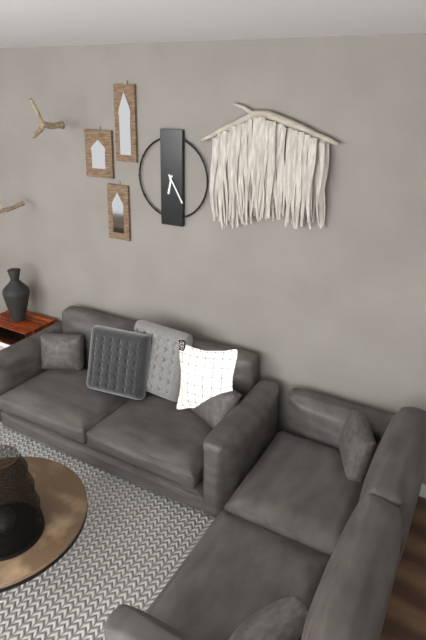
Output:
**6:25**
